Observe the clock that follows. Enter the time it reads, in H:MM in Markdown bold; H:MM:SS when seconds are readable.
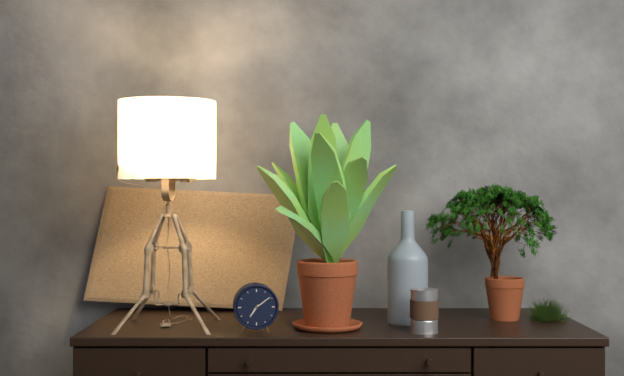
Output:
**7:09**
